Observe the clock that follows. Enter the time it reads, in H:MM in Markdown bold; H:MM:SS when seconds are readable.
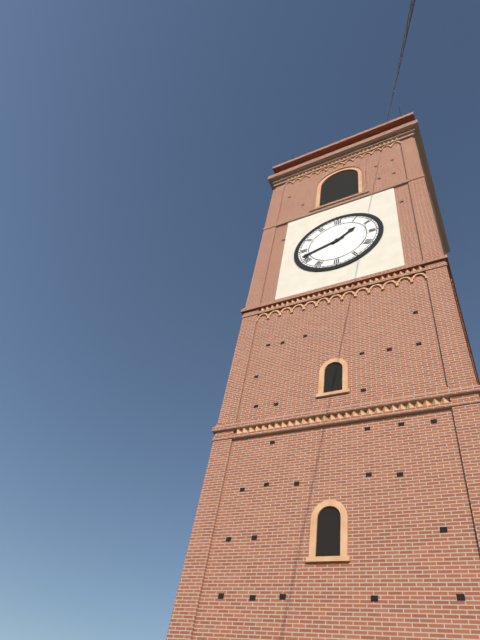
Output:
**1:42**
